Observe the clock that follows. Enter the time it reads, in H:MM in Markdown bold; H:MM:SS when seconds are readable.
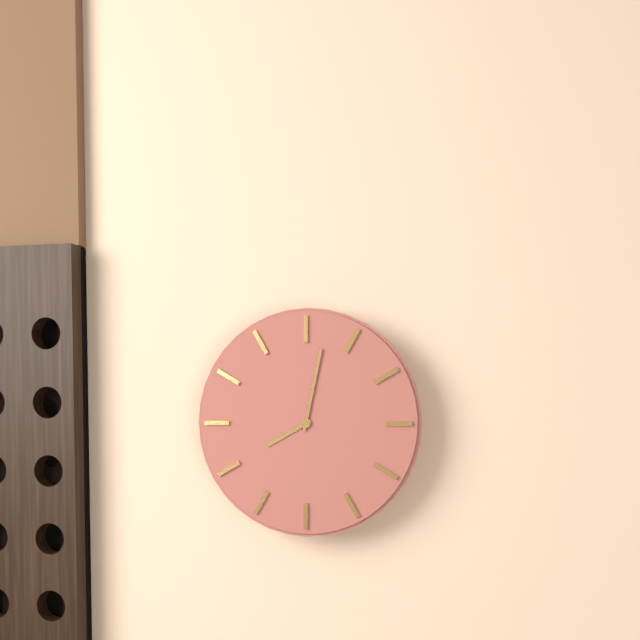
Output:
**8:02**
